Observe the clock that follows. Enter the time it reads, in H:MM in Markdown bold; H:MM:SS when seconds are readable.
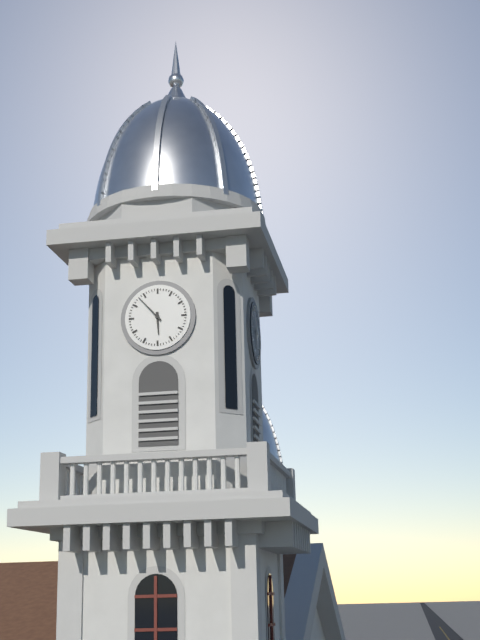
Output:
**5:53**
